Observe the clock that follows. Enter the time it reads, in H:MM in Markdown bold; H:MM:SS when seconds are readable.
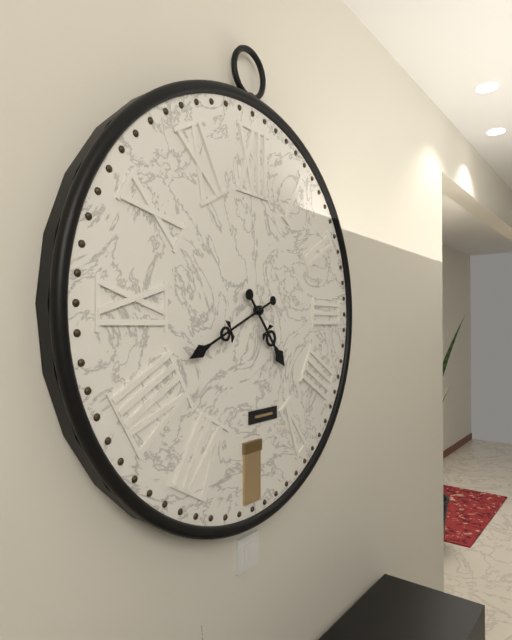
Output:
**4:41**
